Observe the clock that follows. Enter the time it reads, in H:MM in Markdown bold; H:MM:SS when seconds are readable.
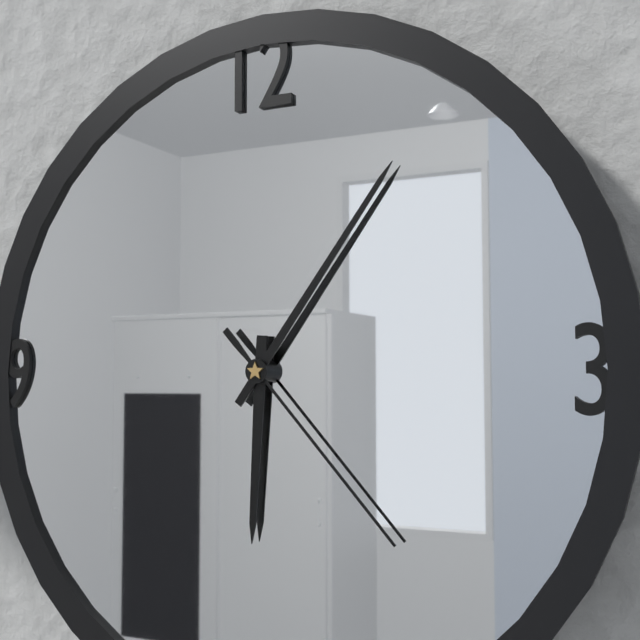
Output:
**6:06:23**
